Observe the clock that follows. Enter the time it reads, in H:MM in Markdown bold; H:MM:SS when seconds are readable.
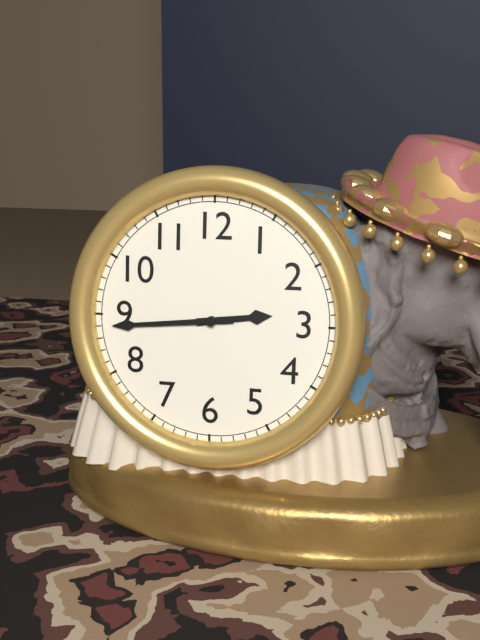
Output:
**2:44**
